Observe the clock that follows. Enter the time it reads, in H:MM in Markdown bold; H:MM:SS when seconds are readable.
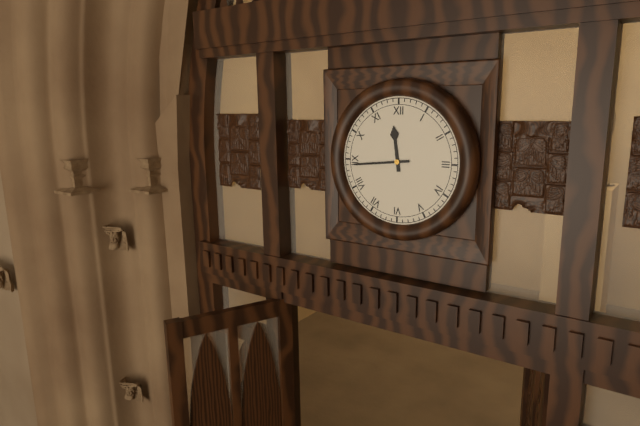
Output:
**11:44**
